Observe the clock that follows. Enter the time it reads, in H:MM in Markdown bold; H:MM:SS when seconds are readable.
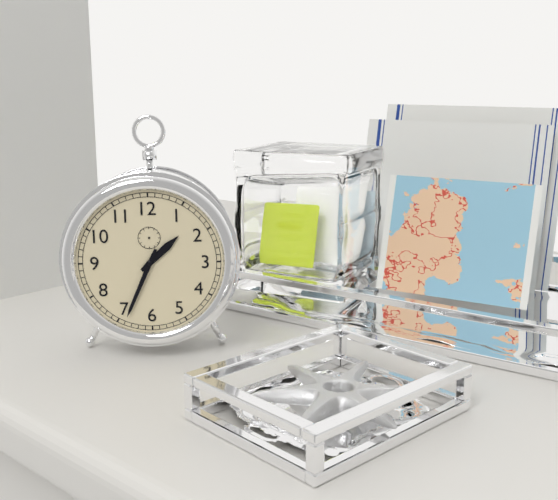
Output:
**1:34**
